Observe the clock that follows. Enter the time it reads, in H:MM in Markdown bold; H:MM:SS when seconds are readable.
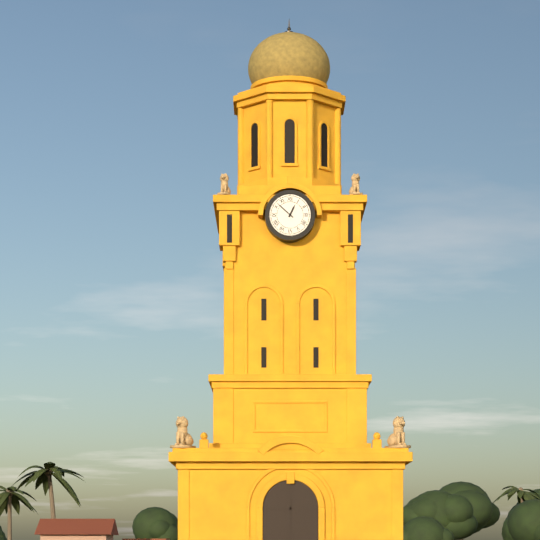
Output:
**12:52**
